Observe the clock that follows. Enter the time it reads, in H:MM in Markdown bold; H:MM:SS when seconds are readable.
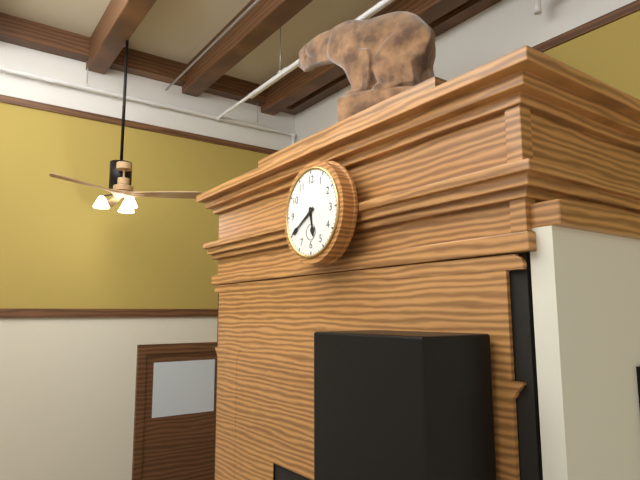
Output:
**5:40**
